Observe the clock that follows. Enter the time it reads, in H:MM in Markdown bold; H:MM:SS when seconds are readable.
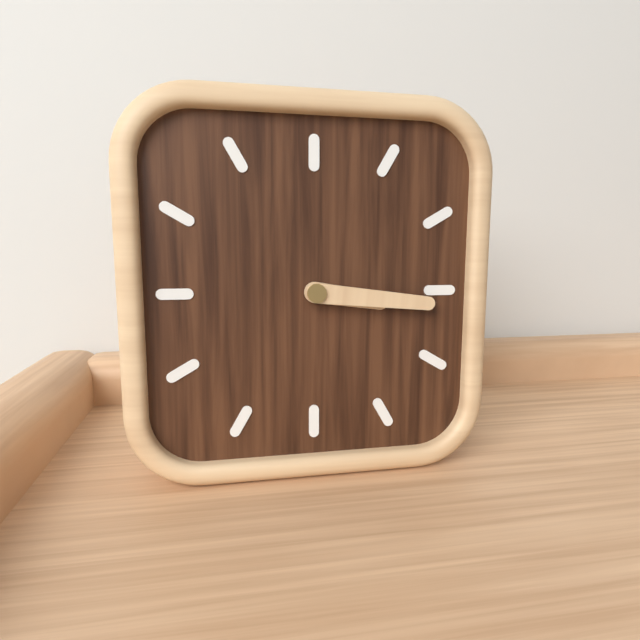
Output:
**3:16**
